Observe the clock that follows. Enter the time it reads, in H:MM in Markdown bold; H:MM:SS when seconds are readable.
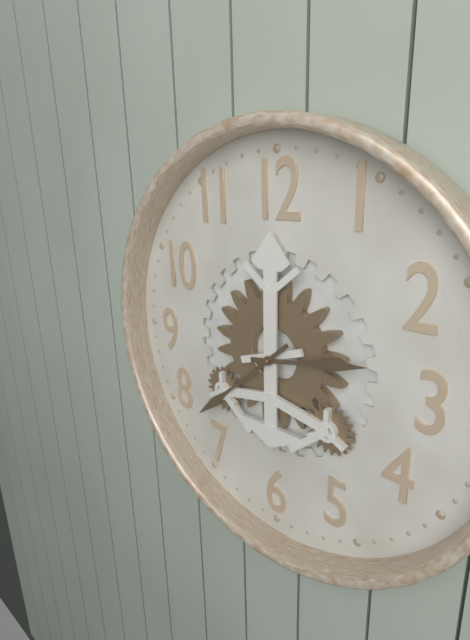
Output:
**2:38**
